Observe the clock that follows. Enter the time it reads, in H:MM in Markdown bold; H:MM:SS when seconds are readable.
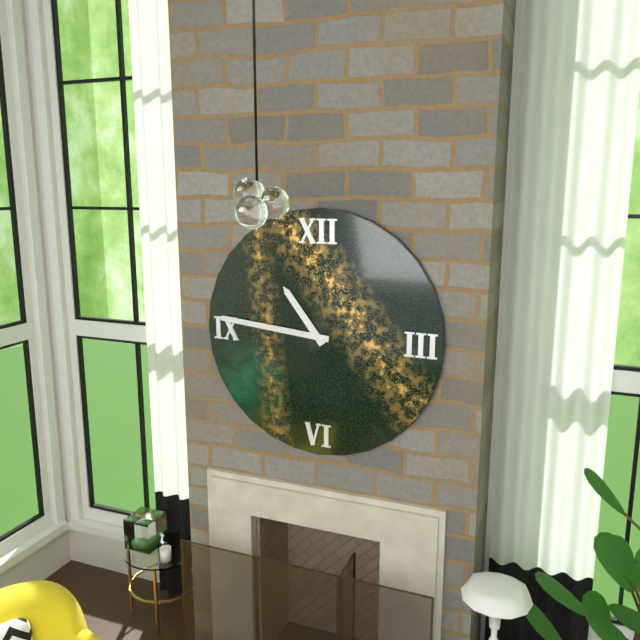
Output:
**10:46**
